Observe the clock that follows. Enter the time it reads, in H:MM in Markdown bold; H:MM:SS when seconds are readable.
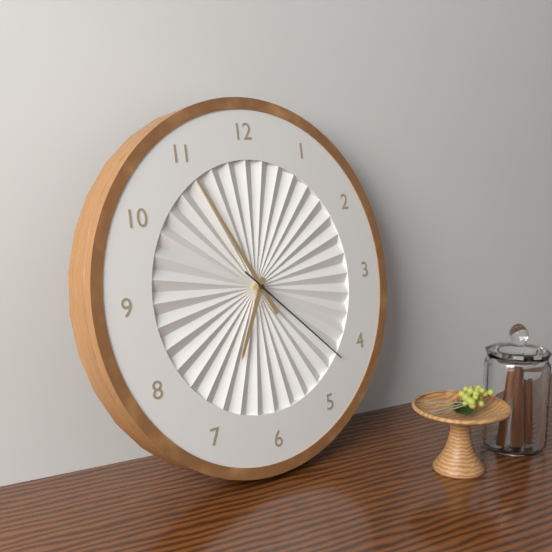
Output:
**6:55:22**
